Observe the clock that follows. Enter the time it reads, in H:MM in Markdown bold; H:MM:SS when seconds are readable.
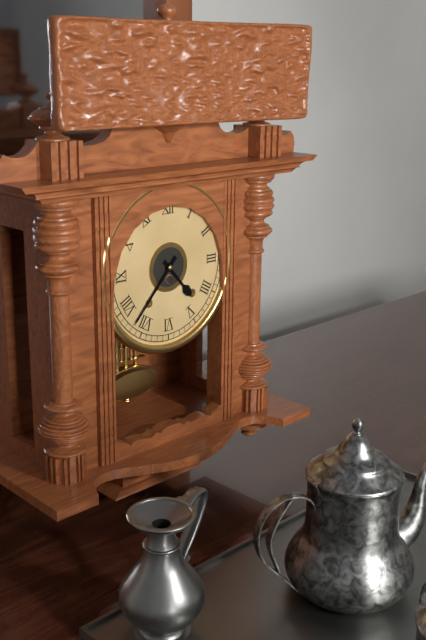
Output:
**4:37**
